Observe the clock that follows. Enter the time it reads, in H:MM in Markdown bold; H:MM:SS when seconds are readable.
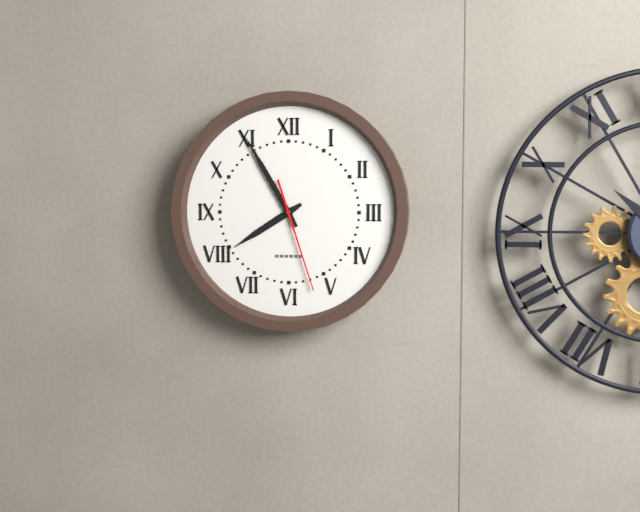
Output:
**7:55:27**
